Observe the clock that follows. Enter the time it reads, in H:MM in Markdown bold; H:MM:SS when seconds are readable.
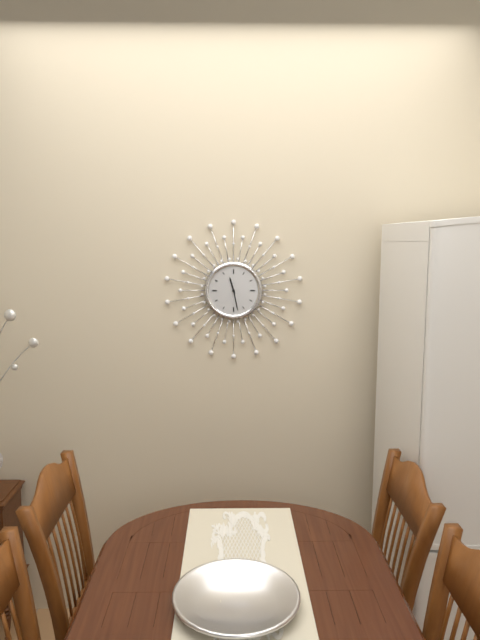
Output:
**11:28**
